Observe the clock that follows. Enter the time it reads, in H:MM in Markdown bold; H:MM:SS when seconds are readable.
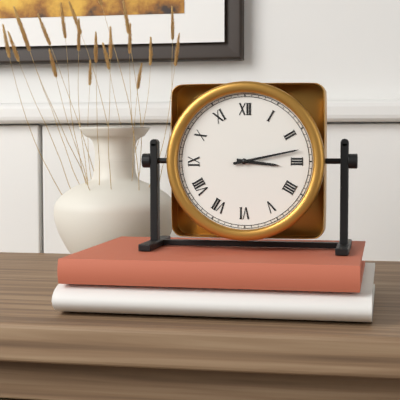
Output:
**3:13**
